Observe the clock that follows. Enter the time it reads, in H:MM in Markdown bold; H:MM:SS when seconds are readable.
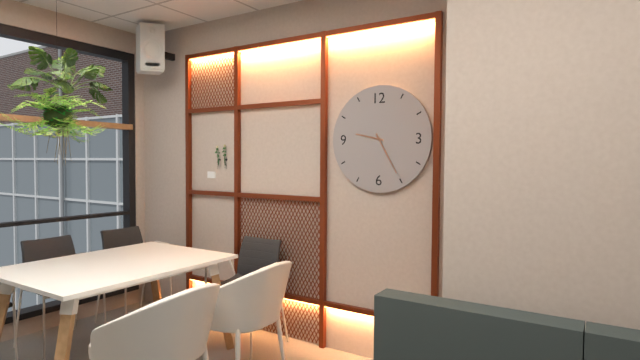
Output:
**9:25**
